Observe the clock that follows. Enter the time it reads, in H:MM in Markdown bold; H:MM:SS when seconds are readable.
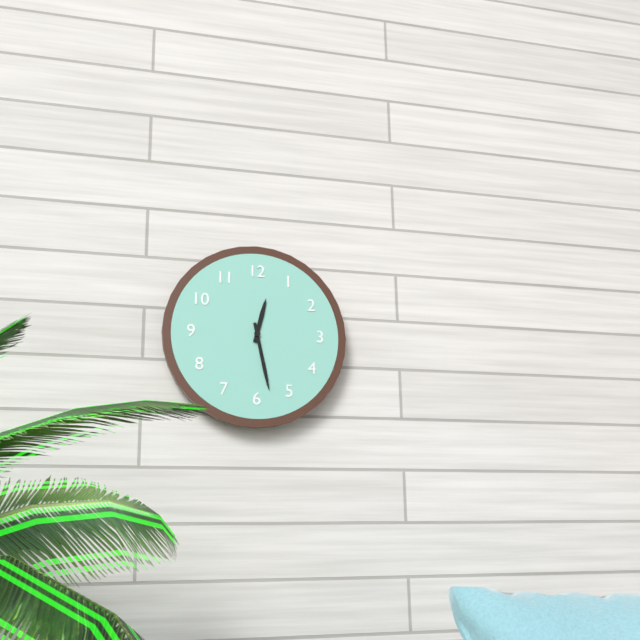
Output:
**12:28**
